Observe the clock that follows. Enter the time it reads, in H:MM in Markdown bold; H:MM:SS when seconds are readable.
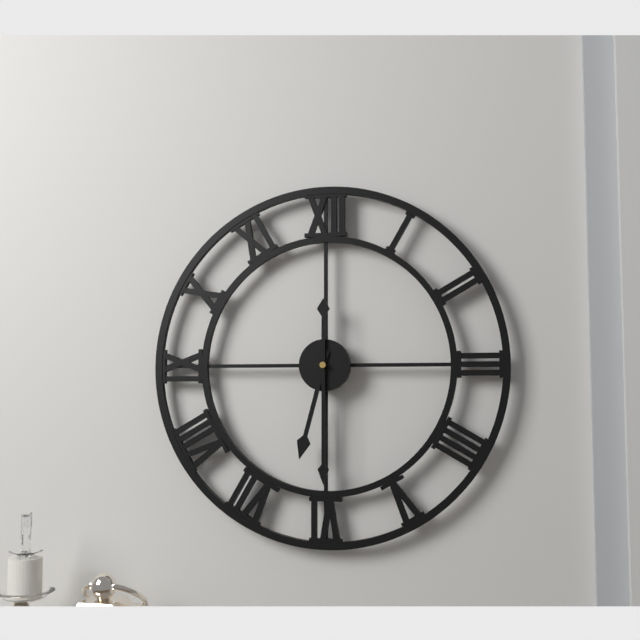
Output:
**6:30**
